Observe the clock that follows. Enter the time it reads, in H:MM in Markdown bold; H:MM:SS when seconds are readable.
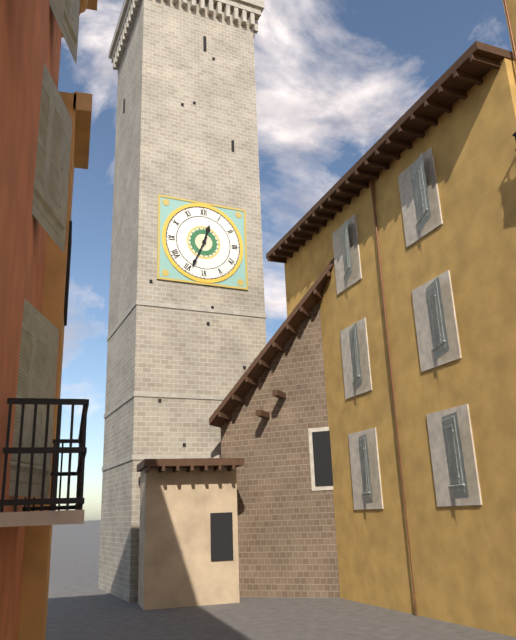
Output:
**12:34**
